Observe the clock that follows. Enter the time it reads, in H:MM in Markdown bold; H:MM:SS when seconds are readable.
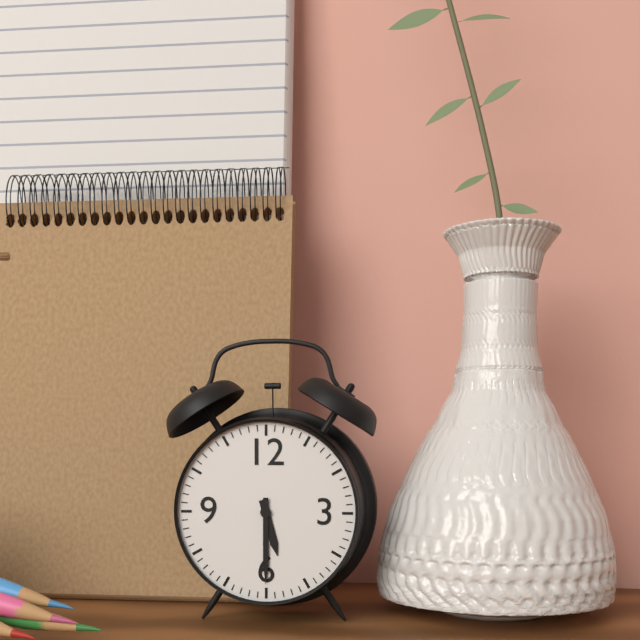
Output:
**5:30**
